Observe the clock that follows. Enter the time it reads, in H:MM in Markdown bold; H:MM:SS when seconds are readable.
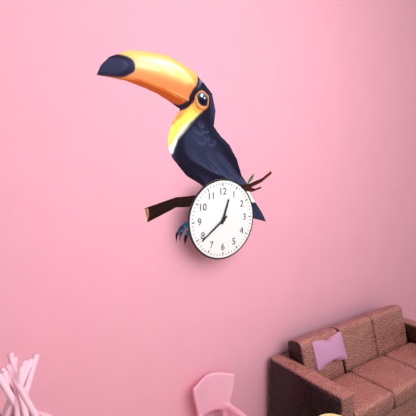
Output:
**12:39**
